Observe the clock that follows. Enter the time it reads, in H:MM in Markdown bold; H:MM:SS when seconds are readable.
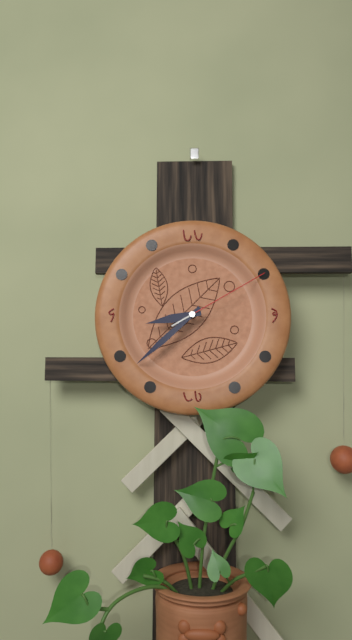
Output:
**8:38:10**
